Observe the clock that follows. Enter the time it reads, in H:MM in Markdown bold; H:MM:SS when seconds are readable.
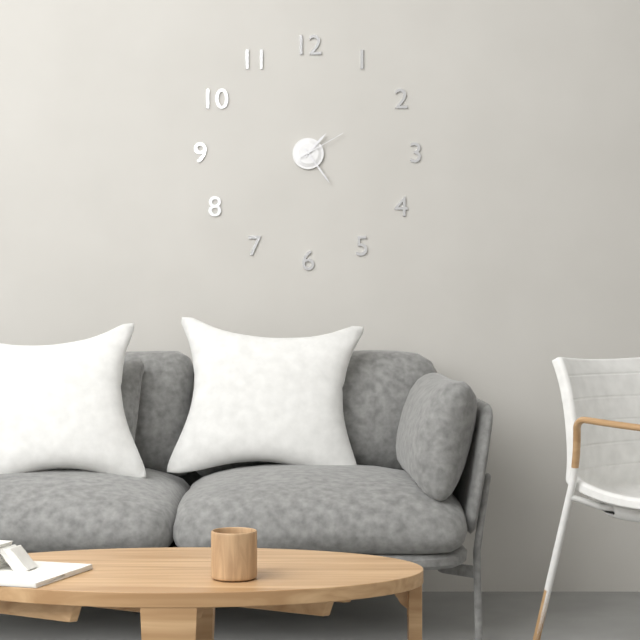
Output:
**1:24:10**
